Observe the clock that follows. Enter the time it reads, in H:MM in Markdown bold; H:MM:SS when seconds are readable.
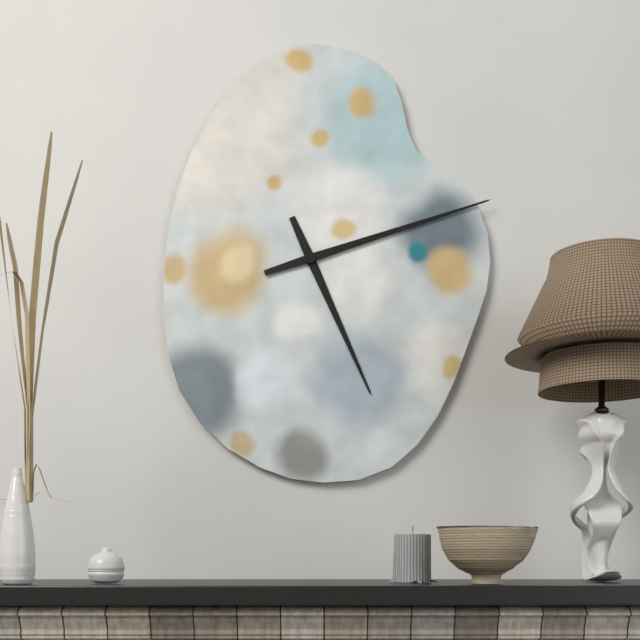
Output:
**5:12**
